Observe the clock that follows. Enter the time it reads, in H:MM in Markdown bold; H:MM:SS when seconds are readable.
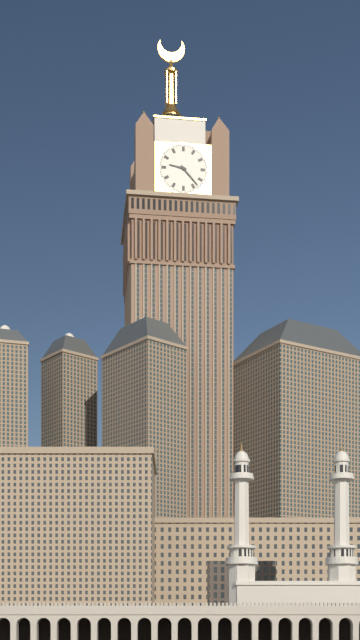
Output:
**9:23**
